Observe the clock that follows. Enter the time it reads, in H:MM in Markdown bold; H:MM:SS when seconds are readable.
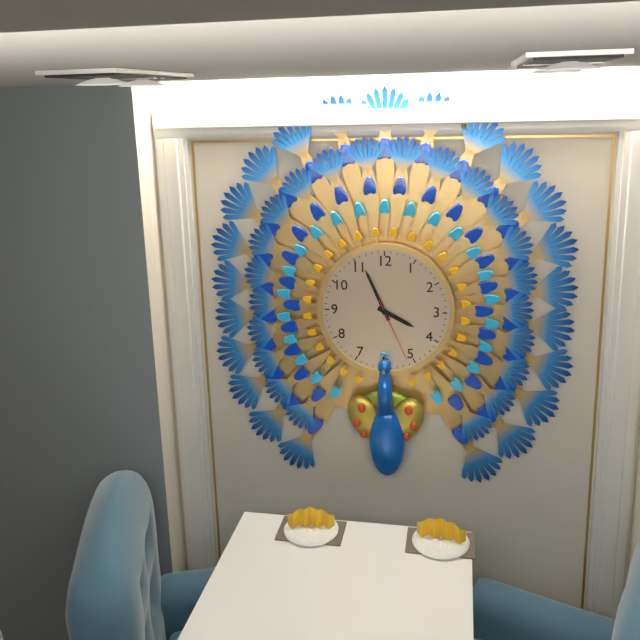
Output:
**3:56:26**
